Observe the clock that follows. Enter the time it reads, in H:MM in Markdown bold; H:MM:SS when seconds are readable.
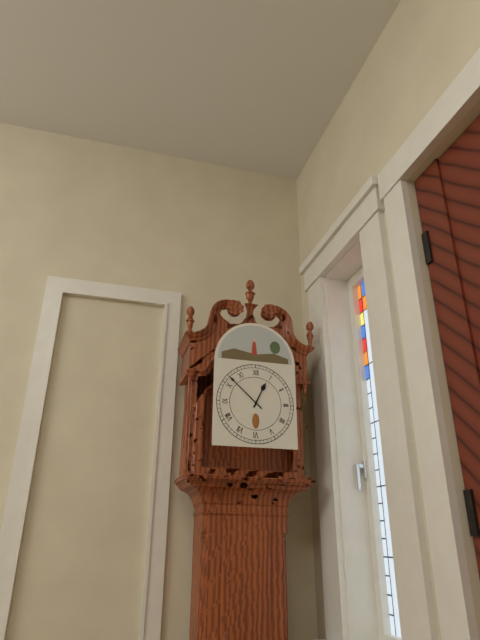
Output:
**12:52**
